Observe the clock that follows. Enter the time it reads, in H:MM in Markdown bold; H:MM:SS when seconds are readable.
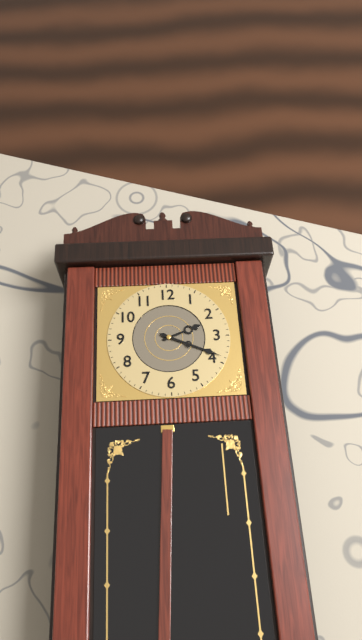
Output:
**2:19**
